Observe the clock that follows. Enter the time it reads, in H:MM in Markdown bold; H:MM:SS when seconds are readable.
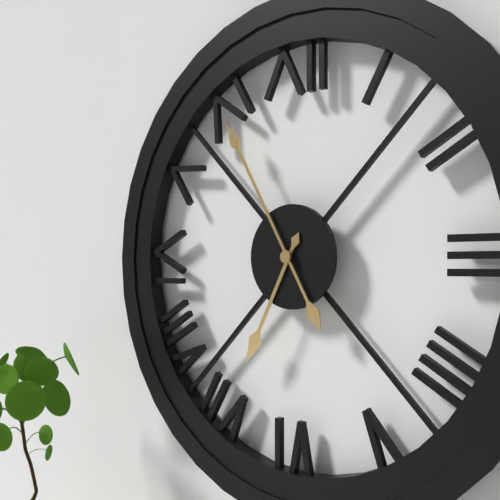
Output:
**6:55**
